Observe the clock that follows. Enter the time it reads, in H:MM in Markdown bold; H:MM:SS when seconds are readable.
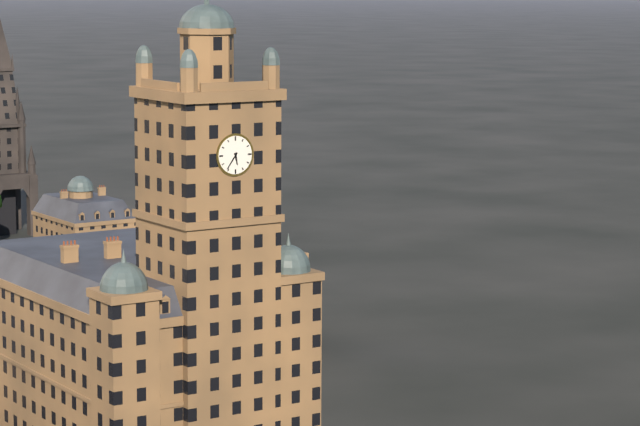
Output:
**5:36**
